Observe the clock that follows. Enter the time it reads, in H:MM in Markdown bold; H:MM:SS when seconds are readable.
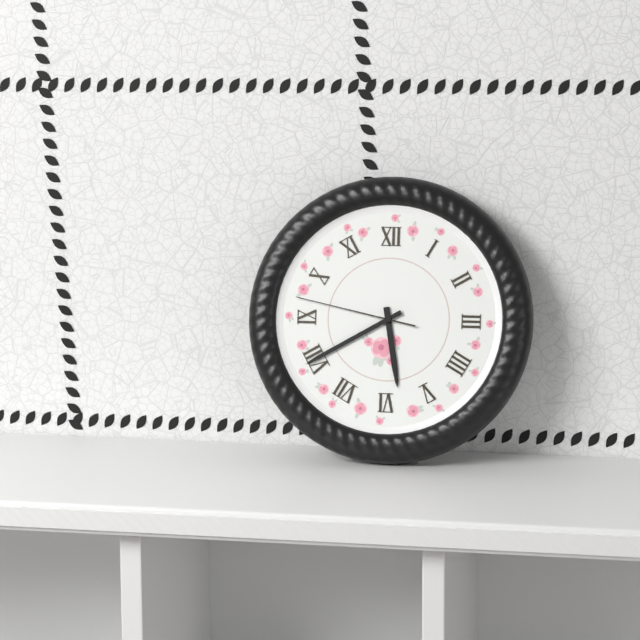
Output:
**5:40:47**
